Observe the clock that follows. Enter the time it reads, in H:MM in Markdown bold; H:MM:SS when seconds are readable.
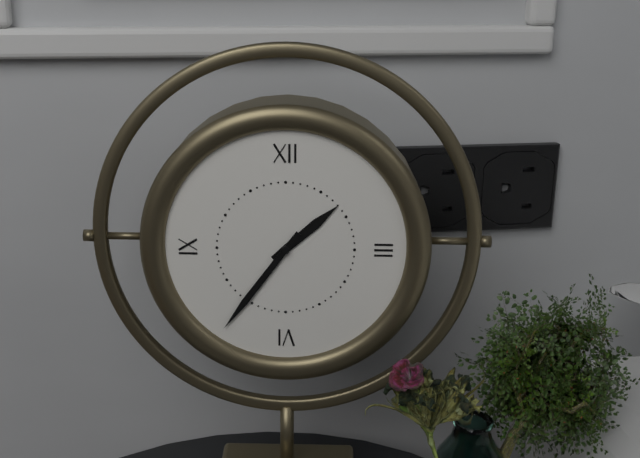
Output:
**1:36**
